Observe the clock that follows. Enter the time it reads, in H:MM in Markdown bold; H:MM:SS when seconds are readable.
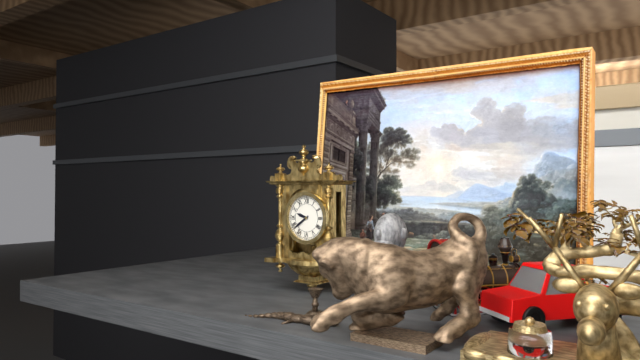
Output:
**9:39**
